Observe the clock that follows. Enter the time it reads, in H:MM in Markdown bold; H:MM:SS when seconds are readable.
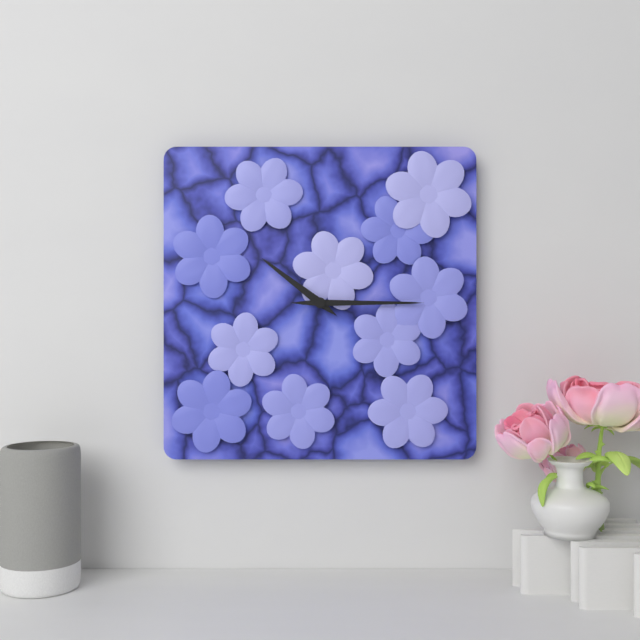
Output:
**10:15**
